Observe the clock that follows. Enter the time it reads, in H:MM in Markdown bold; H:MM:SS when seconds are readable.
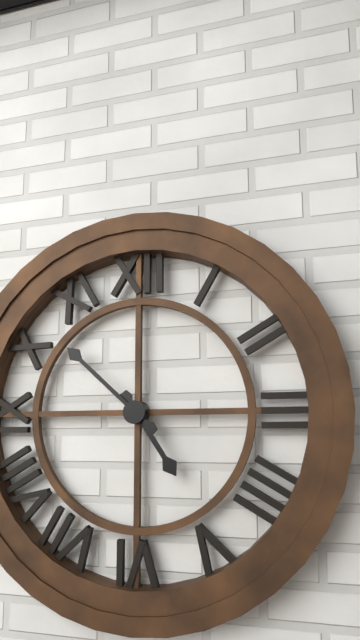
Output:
**4:52**
